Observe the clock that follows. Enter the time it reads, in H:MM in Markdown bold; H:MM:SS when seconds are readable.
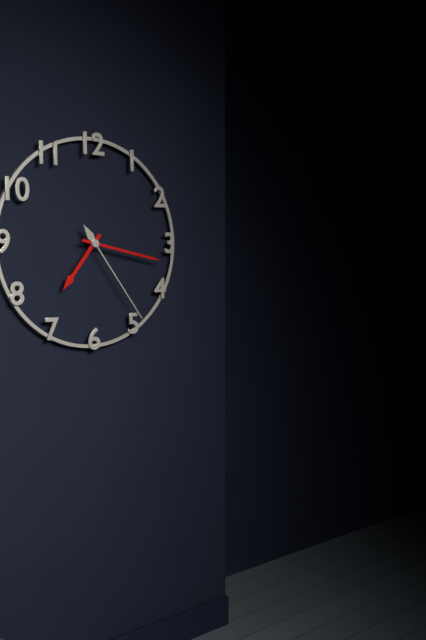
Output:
**7:17:24**
